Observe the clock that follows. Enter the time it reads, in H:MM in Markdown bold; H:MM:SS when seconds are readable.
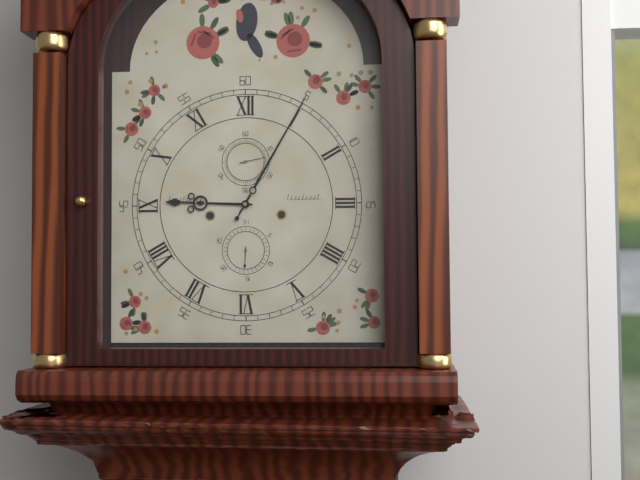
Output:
**9:05**
